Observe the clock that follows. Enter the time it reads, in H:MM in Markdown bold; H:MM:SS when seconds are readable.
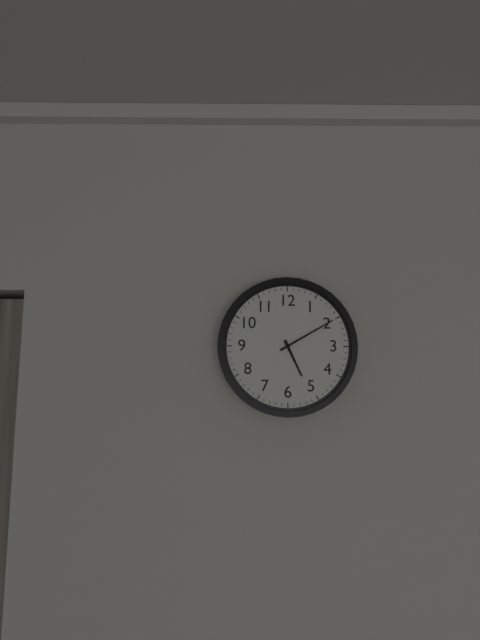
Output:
**5:10**
